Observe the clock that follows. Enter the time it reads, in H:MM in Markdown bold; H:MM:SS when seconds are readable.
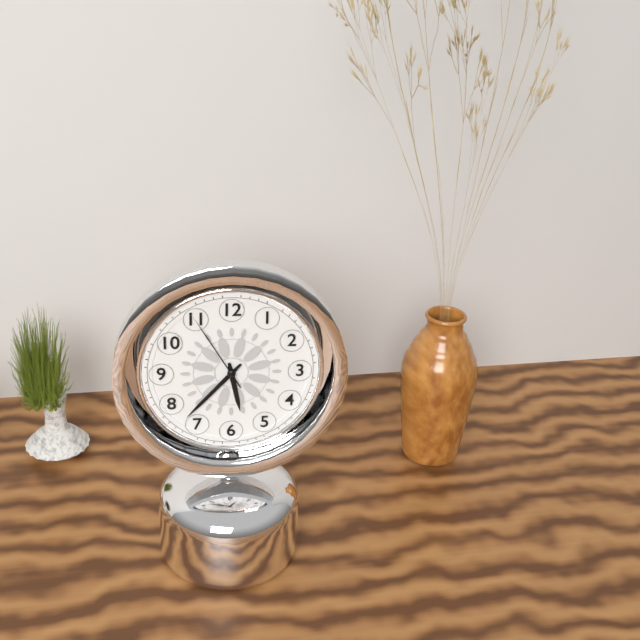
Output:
**5:37:55**
